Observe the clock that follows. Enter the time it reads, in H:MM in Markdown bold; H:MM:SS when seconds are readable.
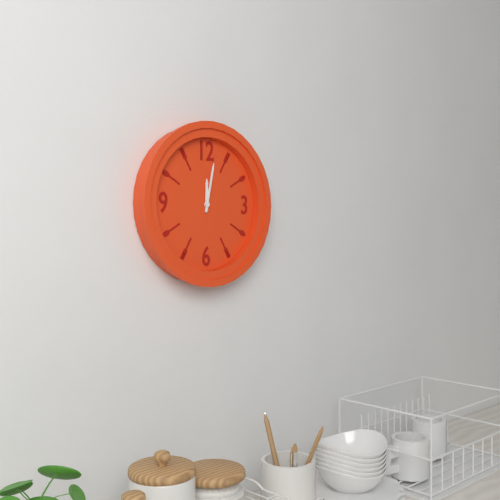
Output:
**12:02**
